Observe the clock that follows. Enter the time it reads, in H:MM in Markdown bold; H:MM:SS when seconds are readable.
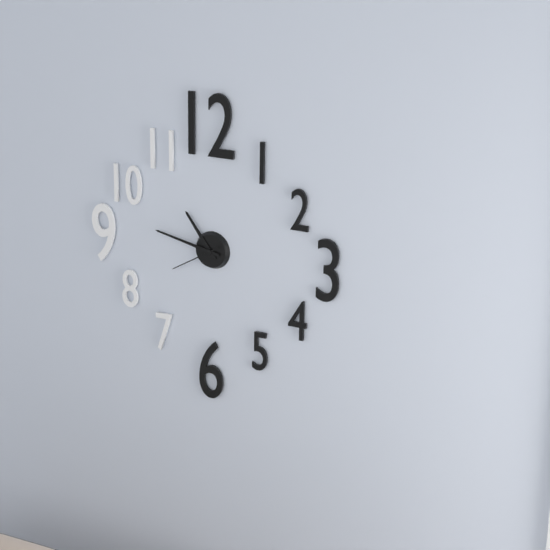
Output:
**10:47:40**
